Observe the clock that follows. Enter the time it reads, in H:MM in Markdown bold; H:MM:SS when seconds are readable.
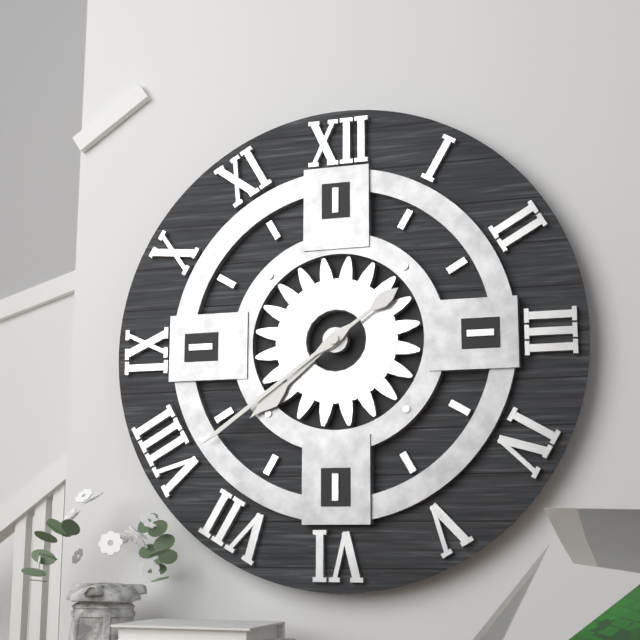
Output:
**7:39**
